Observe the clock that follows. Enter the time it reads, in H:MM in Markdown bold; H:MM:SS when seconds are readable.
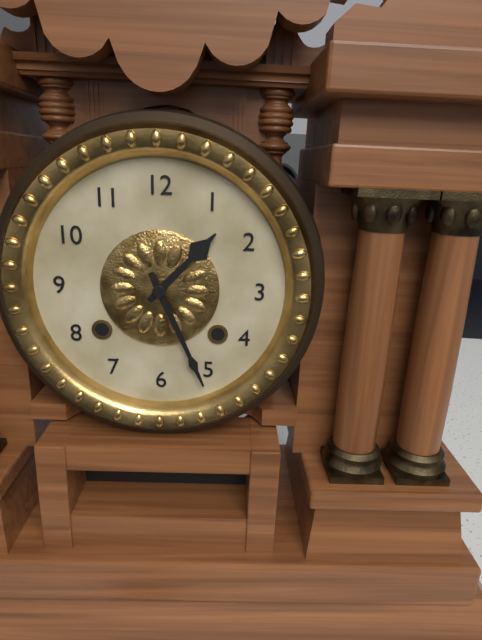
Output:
**1:26**
